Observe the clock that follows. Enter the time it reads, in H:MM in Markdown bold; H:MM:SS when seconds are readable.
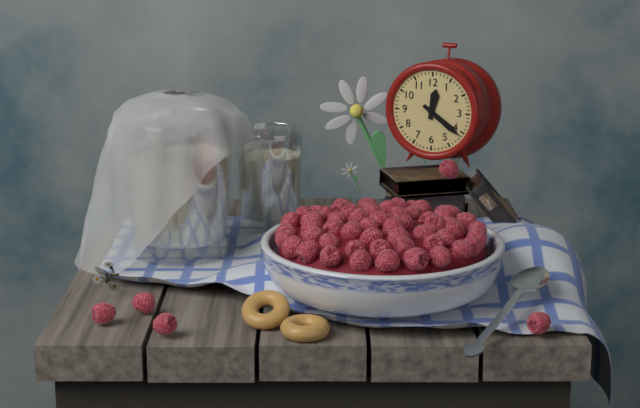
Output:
**12:21**
